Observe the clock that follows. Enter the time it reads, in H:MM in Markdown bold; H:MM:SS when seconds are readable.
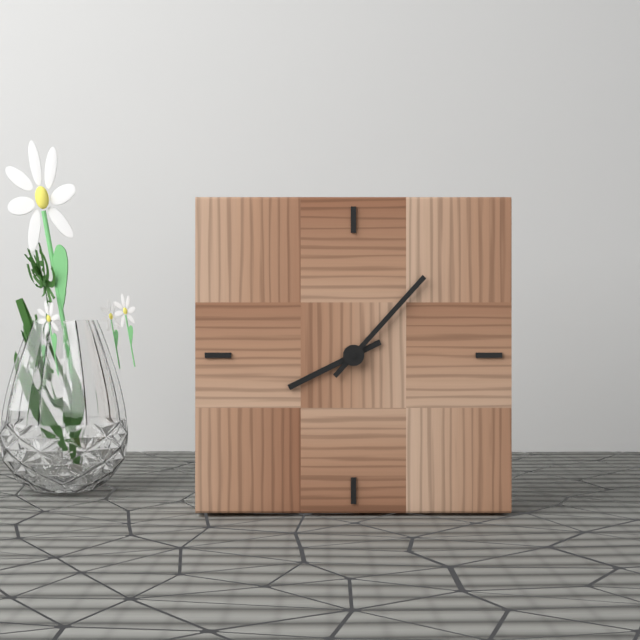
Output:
**8:07**
